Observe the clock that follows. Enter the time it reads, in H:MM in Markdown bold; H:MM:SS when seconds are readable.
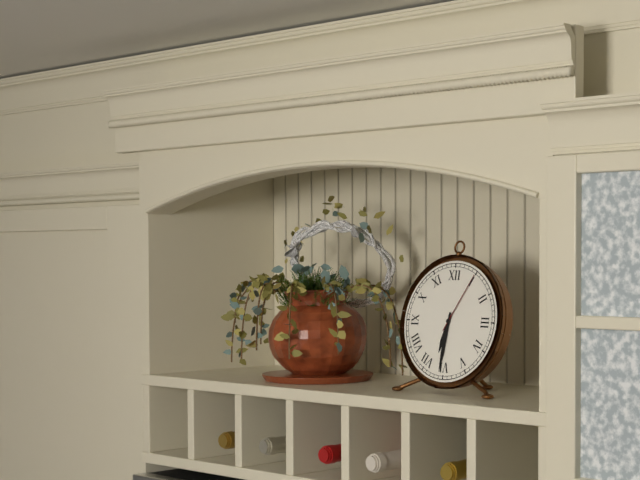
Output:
**6:31:05**
